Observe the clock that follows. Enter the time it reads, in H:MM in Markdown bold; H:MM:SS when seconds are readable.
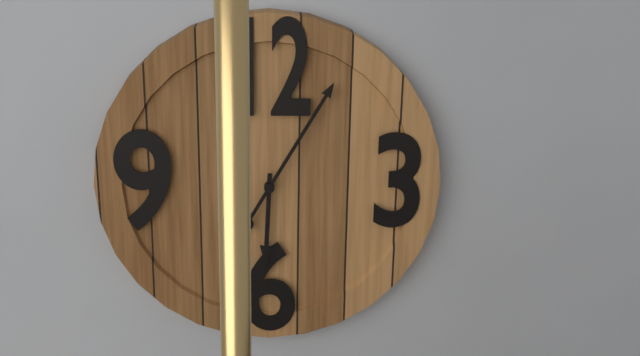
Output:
**6:05**
